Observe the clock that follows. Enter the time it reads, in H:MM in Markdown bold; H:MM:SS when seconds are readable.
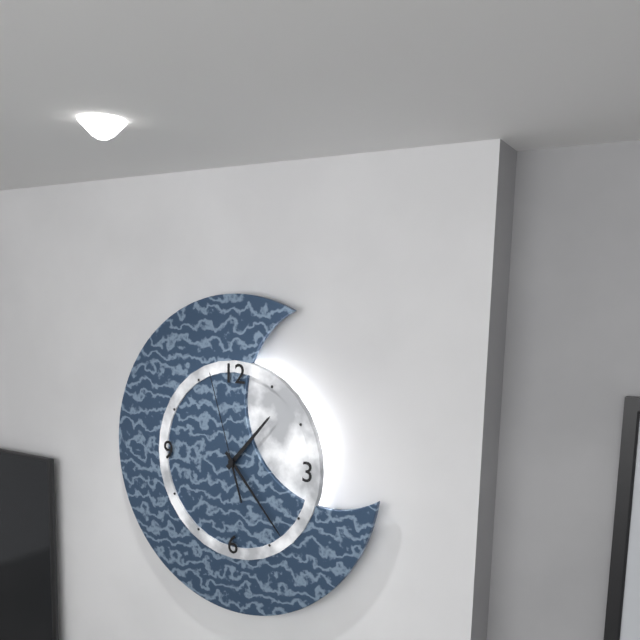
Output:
**1:23:57**
